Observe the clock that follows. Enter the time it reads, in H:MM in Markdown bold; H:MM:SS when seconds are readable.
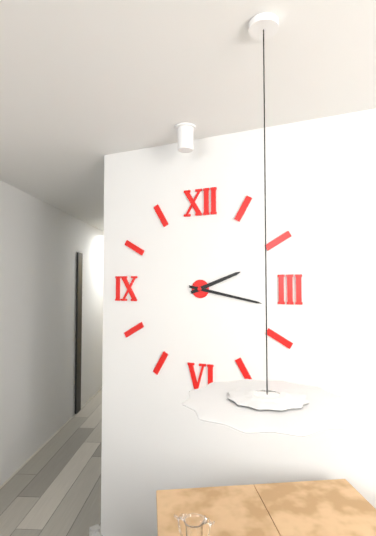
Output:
**2:17**
